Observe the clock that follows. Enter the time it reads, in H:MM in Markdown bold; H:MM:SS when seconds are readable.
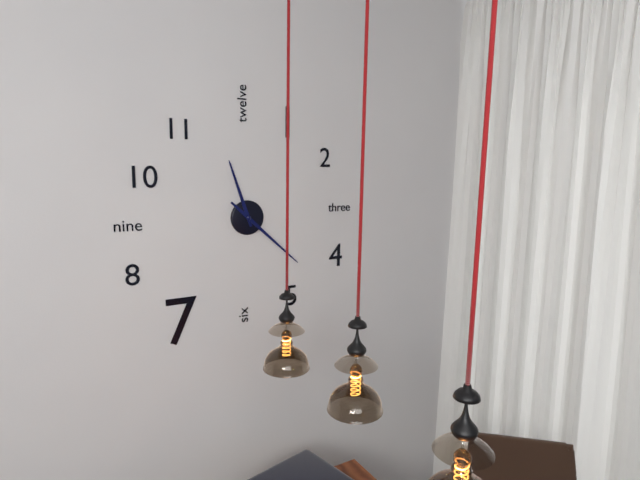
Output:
**11:22**
